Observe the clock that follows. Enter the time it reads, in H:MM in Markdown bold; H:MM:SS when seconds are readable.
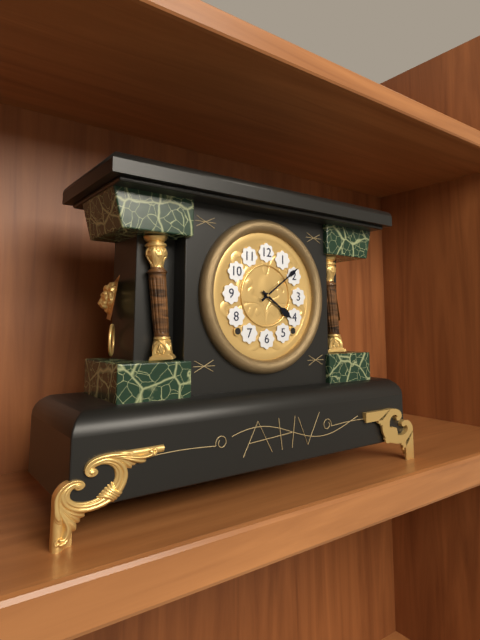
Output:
**4:09**
